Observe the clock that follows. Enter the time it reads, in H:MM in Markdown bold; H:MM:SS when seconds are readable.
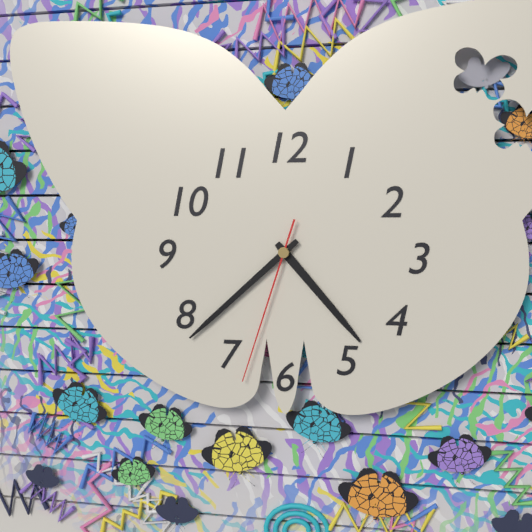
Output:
**4:38:33**
